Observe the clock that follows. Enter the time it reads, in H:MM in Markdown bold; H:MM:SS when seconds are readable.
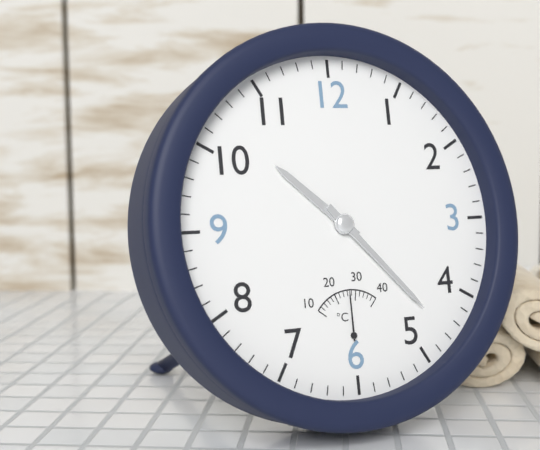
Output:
**10:23**
